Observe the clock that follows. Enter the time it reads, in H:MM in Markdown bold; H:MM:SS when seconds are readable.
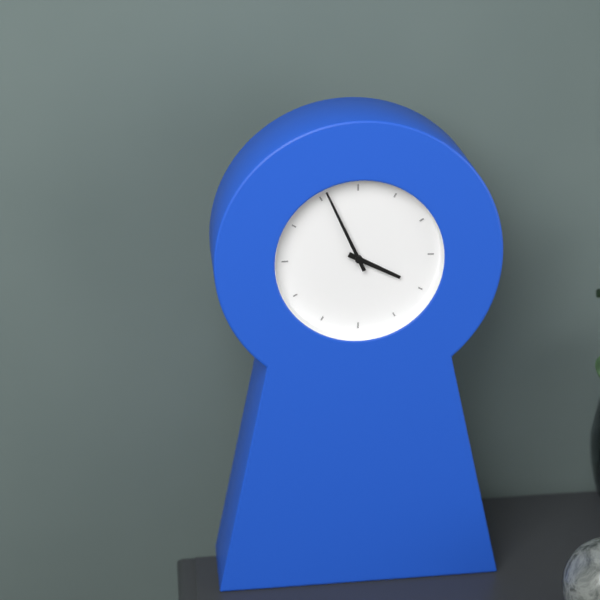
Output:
**3:56**
